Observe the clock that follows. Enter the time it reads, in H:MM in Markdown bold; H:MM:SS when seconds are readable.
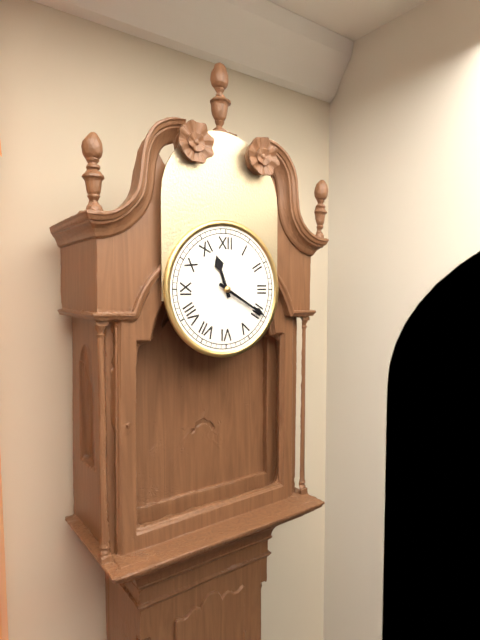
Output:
**11:20**
